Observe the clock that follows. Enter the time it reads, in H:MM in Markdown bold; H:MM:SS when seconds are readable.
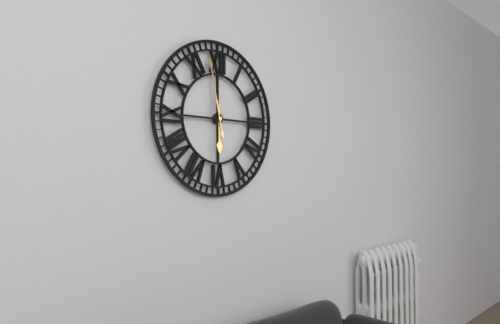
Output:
**5:58**
